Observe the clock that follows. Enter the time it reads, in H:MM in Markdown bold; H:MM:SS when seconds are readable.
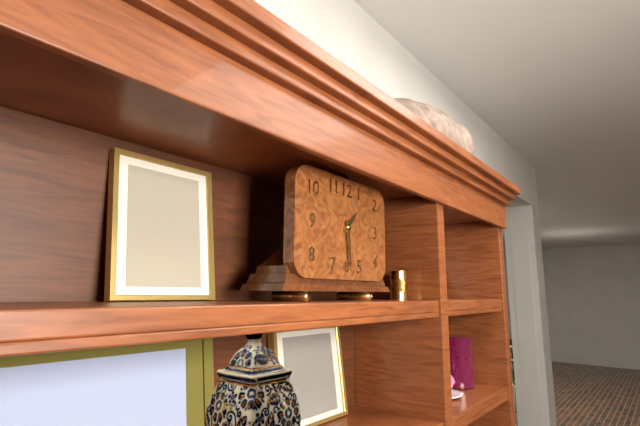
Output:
**1:29**
